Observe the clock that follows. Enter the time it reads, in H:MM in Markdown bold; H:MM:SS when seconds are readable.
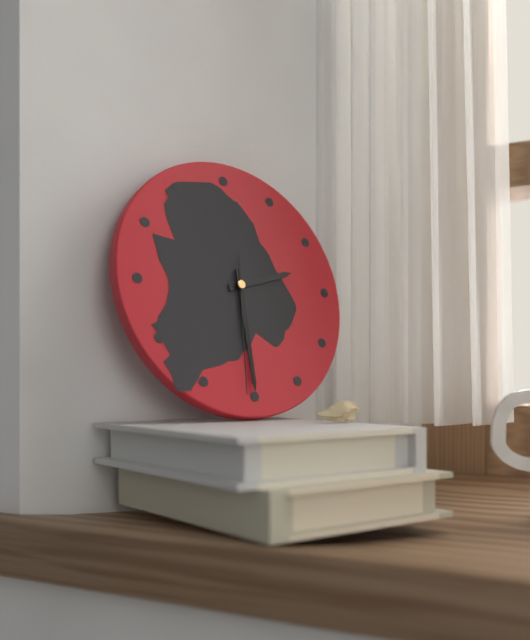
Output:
**2:30:31**
